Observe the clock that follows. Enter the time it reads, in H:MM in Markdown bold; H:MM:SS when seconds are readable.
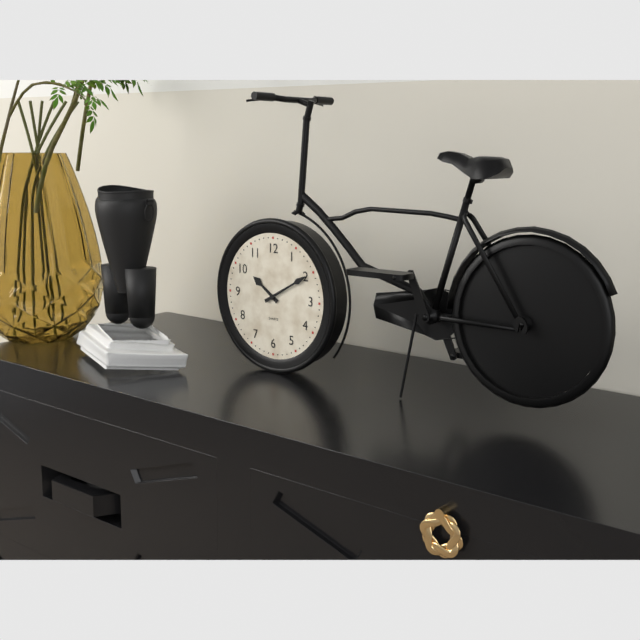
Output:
**10:10**
